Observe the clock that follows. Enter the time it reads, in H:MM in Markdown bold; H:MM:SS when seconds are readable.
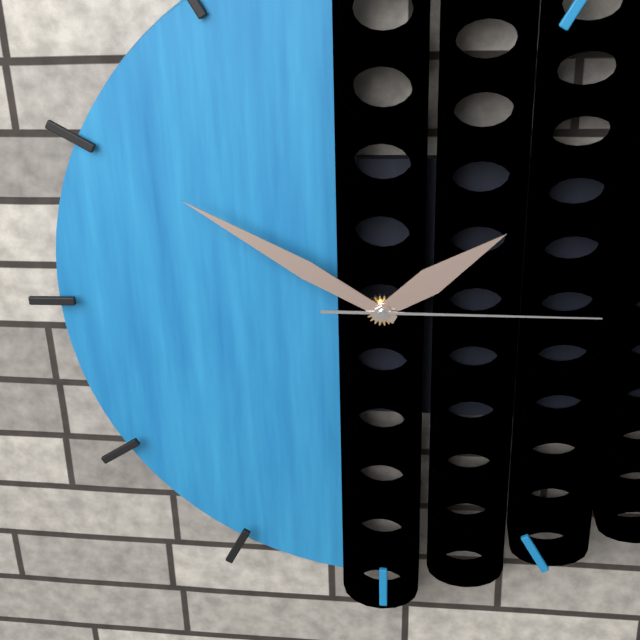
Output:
**1:50:15**
